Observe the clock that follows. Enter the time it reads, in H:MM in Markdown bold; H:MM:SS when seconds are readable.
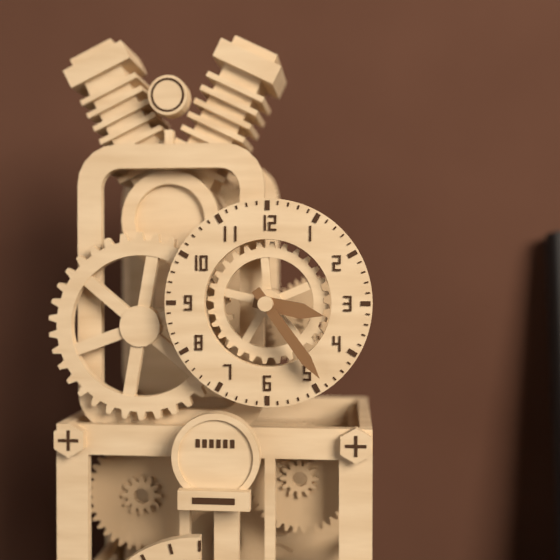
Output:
**3:24**
